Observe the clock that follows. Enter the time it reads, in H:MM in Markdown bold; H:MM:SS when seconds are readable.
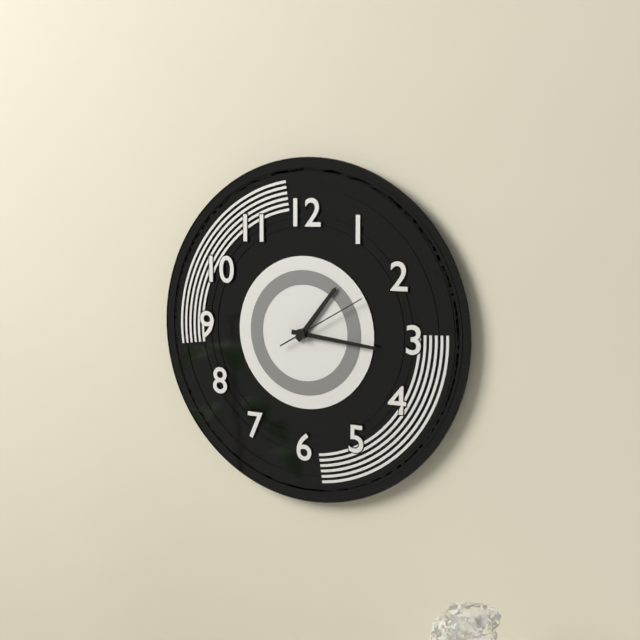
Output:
**1:16:10**
